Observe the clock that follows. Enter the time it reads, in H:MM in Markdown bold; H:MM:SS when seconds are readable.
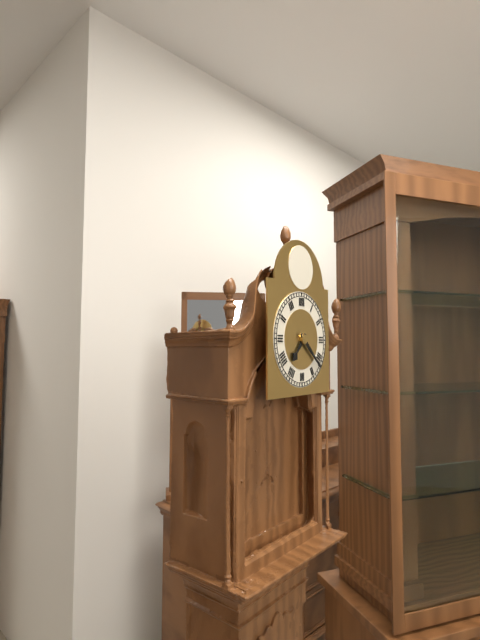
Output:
**7:22**
